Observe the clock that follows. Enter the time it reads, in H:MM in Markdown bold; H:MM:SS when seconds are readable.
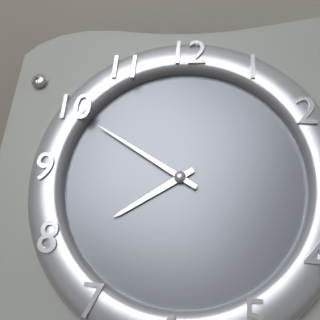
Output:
**7:50**
